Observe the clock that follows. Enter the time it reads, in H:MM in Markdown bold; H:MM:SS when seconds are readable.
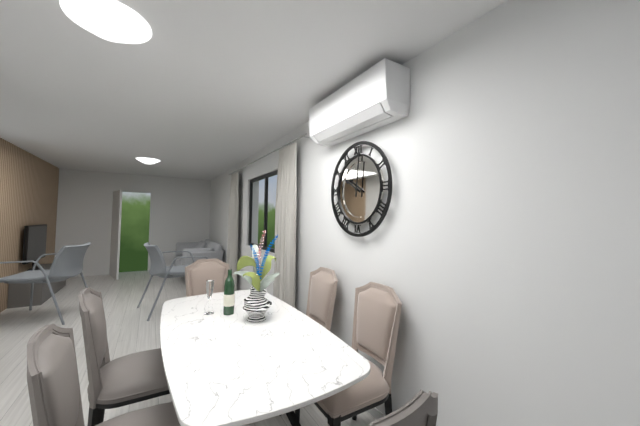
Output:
**10:01**
